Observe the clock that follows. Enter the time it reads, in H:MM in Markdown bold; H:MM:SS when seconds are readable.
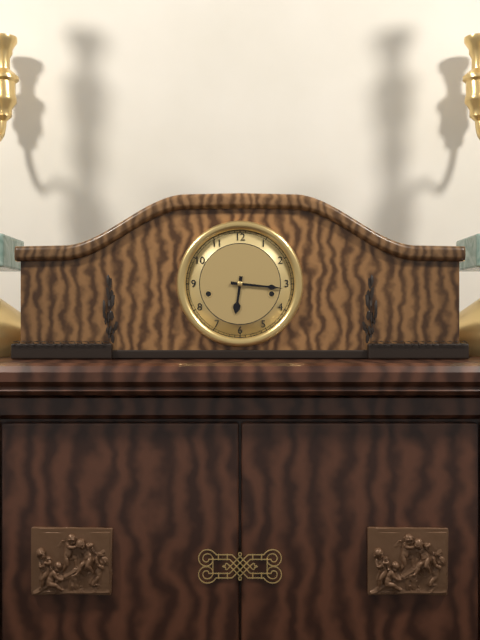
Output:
**6:16**
